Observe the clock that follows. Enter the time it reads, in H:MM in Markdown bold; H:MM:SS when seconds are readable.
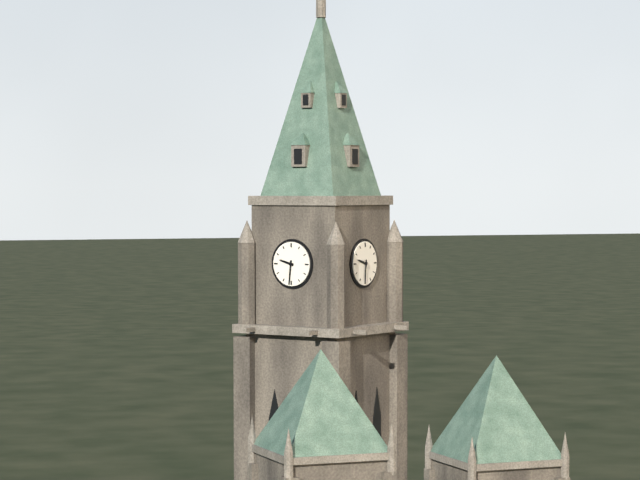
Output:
**9:31**
